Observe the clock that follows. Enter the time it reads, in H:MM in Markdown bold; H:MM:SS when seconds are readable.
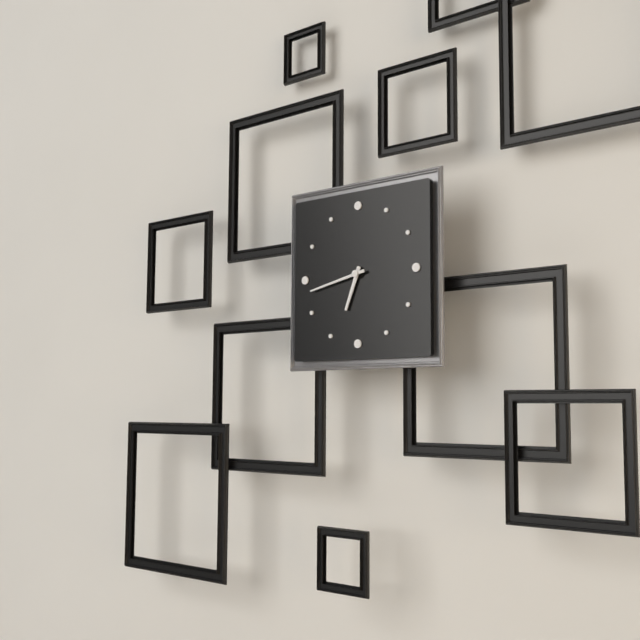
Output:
**6:43**
